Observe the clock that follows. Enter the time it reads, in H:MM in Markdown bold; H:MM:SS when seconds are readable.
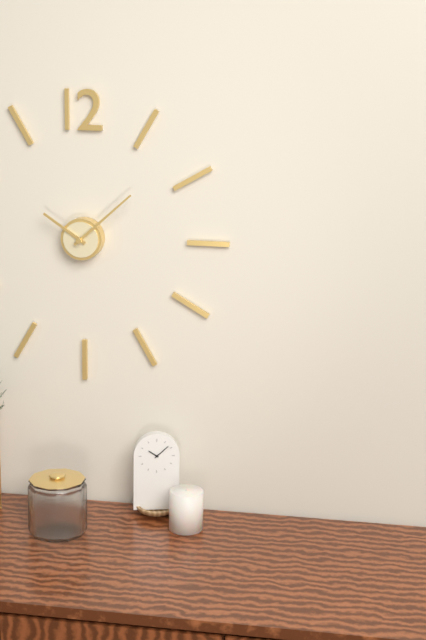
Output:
**10:08**
